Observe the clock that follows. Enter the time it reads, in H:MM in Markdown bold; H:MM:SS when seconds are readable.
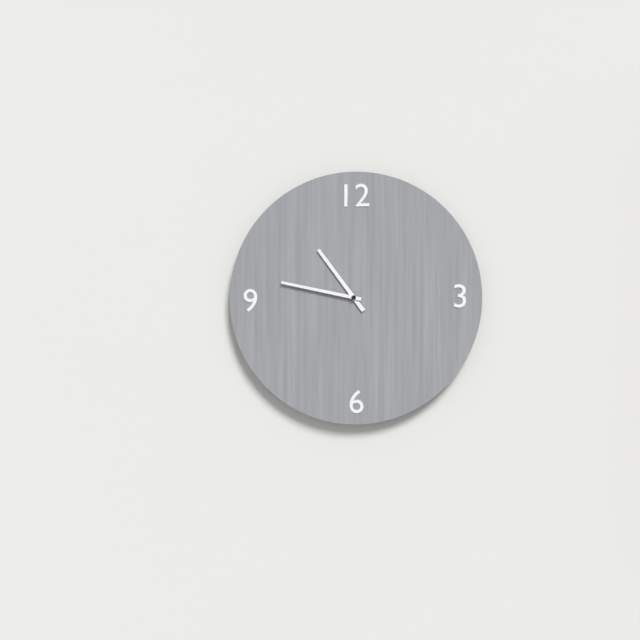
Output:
**10:47**
